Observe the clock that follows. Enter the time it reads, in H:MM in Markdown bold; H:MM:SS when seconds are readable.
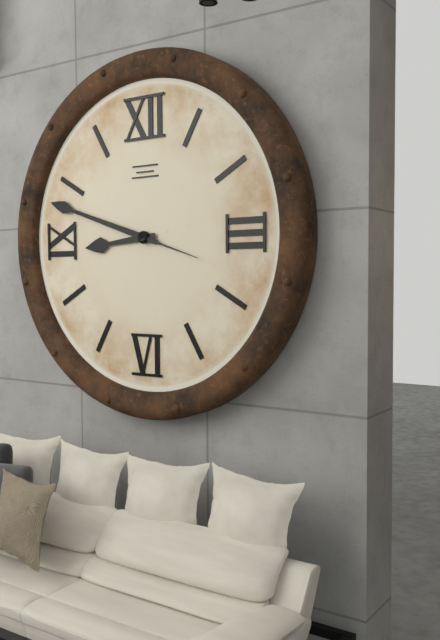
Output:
**8:48:18**
